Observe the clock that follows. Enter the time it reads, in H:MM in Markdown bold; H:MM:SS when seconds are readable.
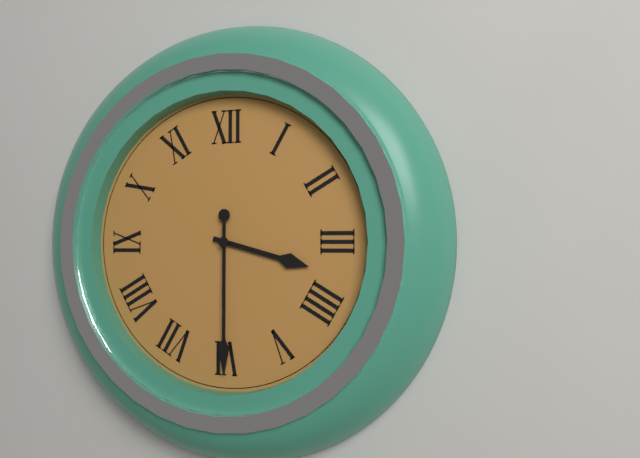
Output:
**3:30**
